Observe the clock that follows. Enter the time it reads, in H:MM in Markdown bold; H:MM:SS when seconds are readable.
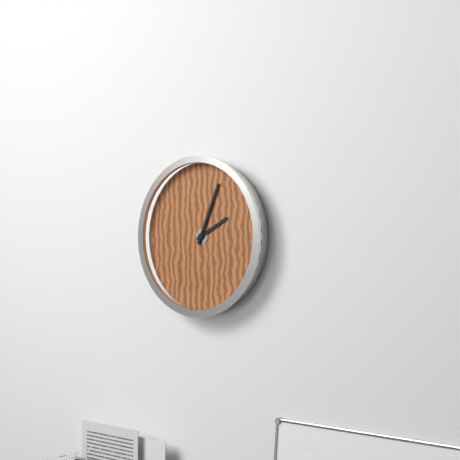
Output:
**2:04**
